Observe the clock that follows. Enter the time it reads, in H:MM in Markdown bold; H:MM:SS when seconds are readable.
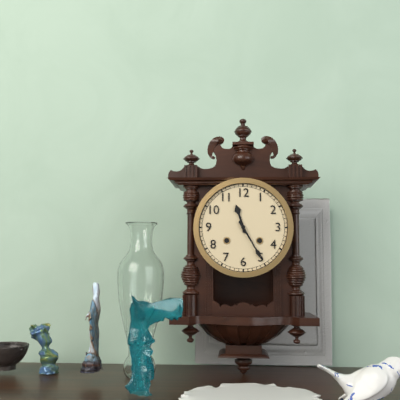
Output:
**11:25**
